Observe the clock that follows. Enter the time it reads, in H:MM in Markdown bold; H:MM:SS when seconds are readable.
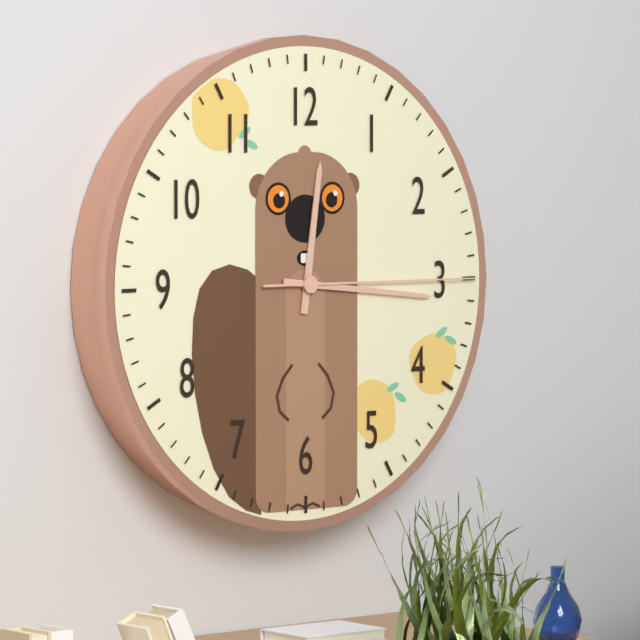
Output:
**12:16:15**
